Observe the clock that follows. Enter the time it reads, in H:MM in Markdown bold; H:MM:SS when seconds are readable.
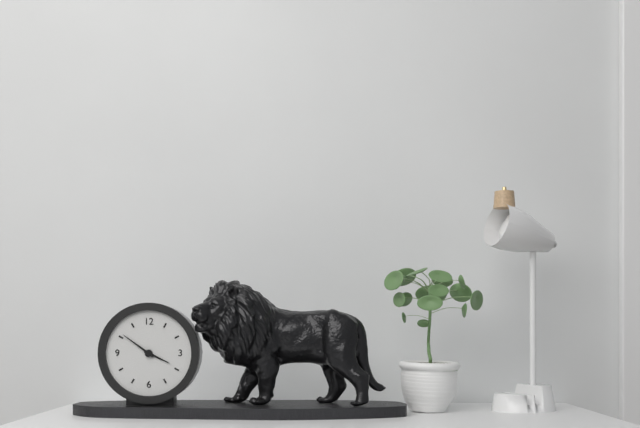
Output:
**3:51**
